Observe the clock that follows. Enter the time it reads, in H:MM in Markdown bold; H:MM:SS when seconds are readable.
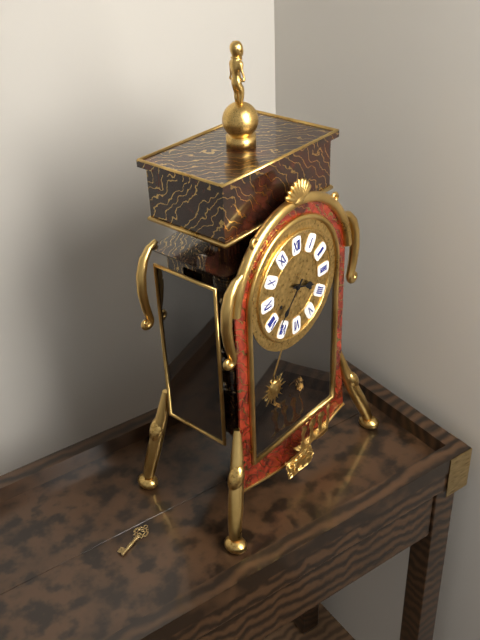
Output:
**3:37**
